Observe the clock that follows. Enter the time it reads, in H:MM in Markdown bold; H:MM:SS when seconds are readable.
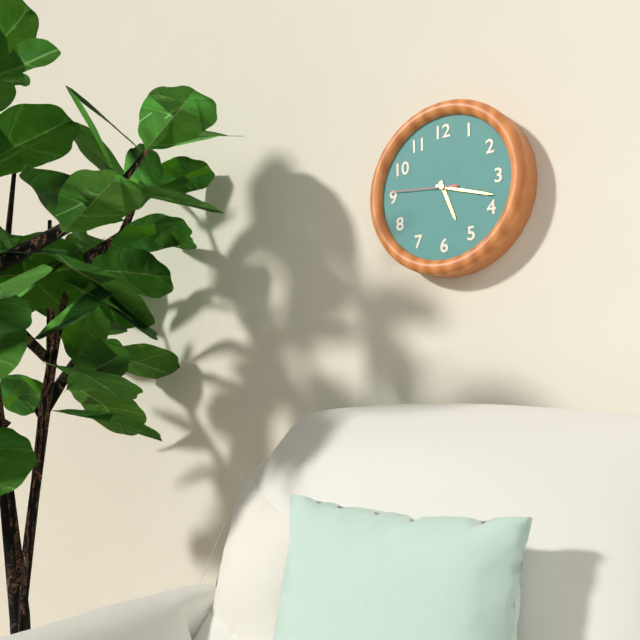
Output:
**5:18:46**
